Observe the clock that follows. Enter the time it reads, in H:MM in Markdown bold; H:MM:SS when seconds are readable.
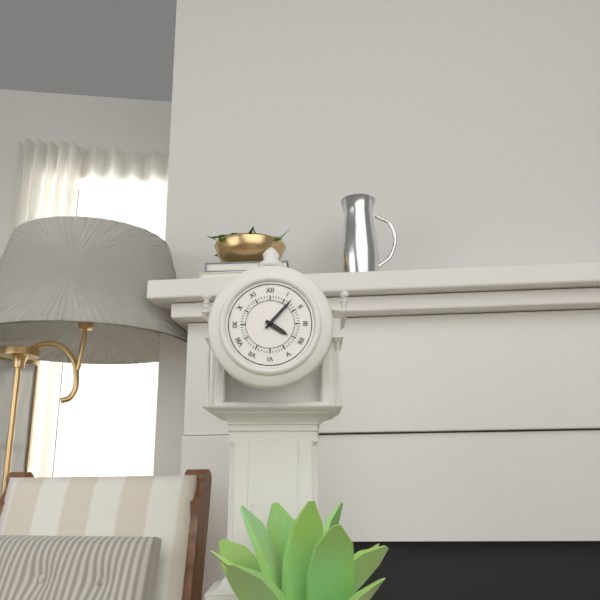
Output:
**4:07**
